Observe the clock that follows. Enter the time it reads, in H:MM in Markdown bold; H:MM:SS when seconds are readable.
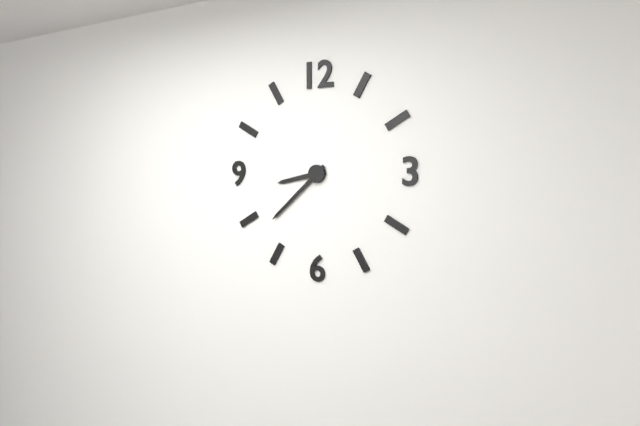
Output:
**8:38**
